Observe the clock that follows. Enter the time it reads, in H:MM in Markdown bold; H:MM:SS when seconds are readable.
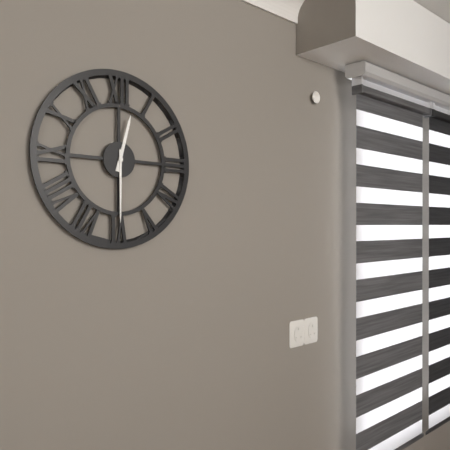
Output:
**12:30**
